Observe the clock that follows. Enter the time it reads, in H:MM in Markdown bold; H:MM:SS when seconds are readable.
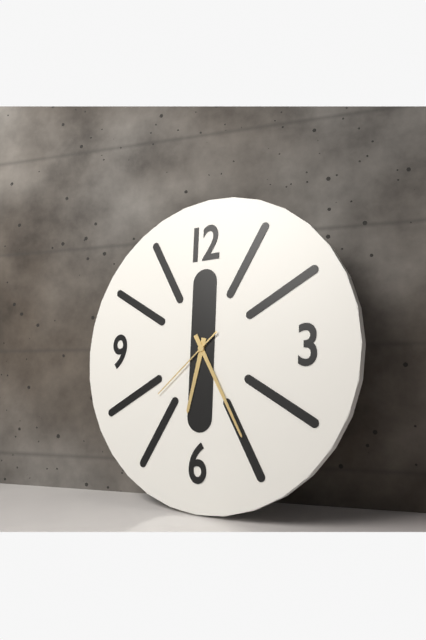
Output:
**6:25:38**
